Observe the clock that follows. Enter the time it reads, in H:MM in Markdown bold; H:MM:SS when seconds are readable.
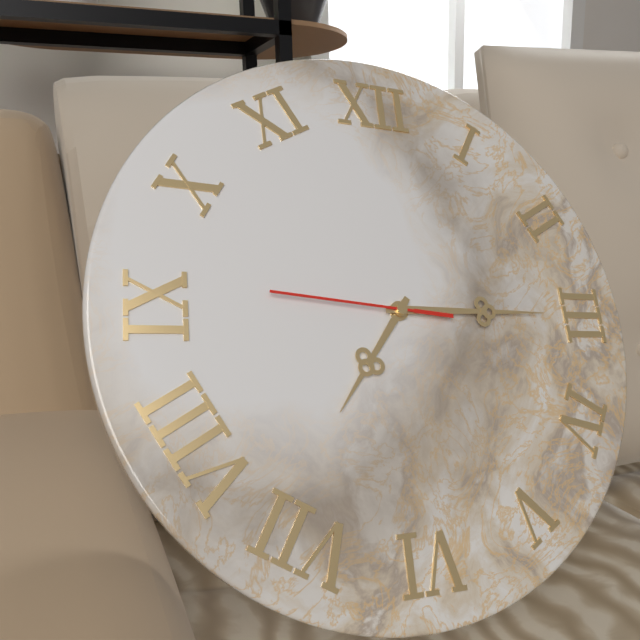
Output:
**7:15:46**
